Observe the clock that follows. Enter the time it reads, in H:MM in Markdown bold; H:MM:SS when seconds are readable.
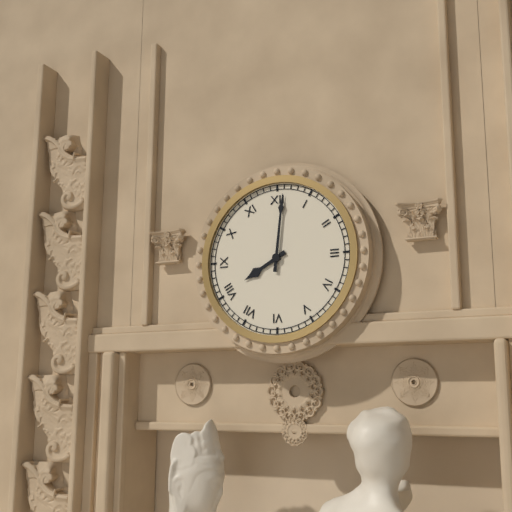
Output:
**8:01**
